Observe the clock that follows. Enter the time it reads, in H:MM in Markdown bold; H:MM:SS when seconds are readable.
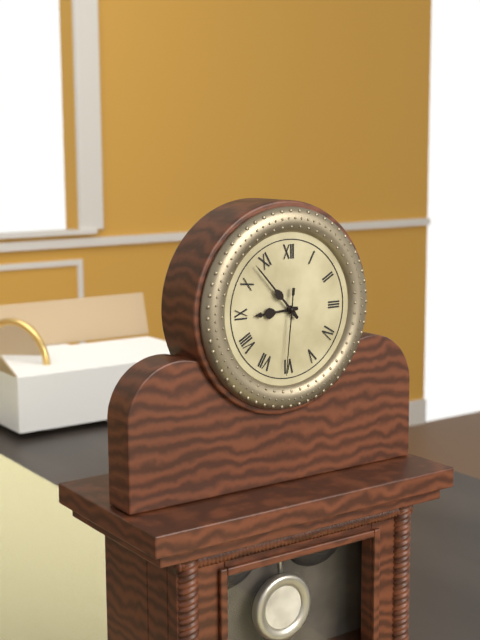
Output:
**8:53:31**
